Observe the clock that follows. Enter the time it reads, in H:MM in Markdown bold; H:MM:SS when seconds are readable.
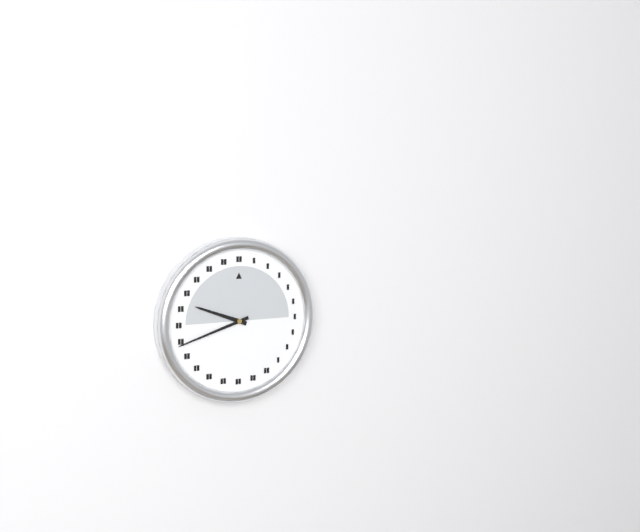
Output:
**9:42**
